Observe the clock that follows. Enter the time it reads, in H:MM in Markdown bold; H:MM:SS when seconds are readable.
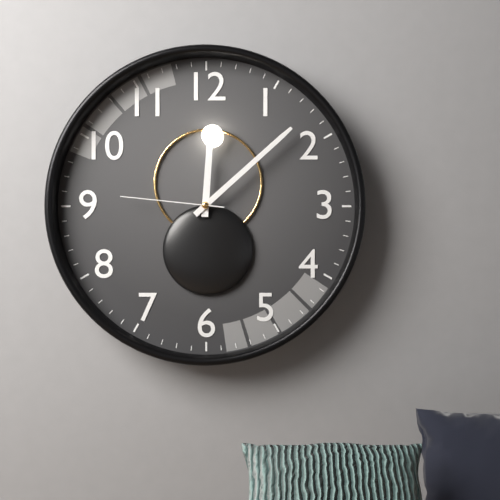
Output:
**12:08:46**
